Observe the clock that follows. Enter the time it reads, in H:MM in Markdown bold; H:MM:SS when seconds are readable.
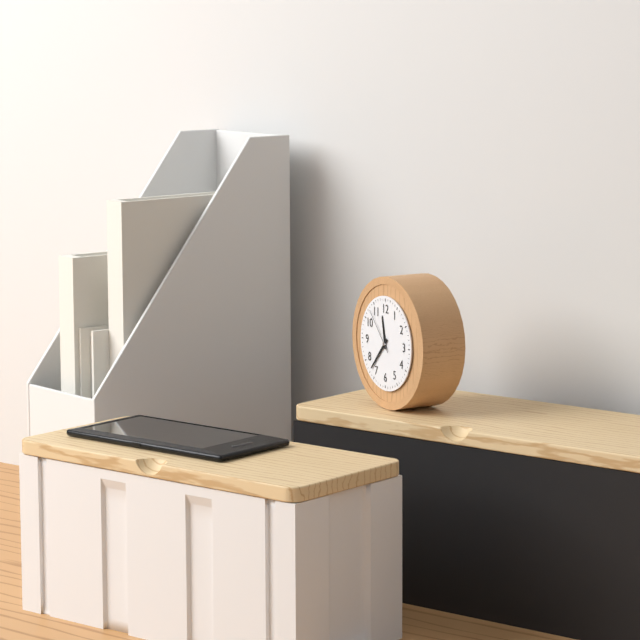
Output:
**11:37**
